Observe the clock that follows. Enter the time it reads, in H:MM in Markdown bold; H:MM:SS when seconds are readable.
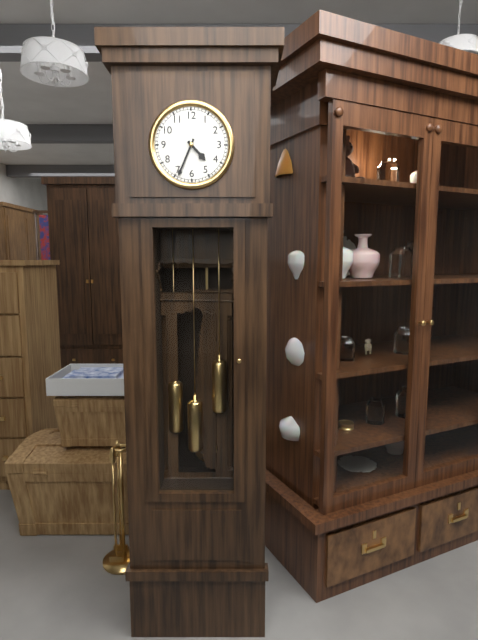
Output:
**4:34**
